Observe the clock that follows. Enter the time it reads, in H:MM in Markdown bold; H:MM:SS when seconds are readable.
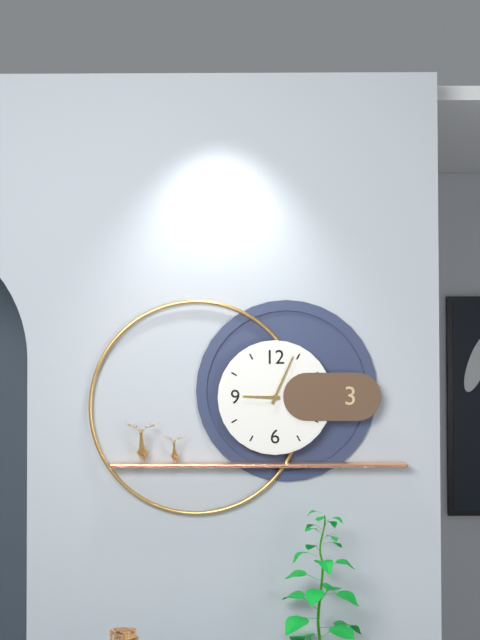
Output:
**9:04**
